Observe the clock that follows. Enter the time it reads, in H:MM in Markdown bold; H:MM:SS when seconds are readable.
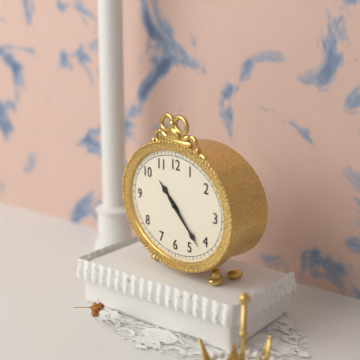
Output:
**10:22**
